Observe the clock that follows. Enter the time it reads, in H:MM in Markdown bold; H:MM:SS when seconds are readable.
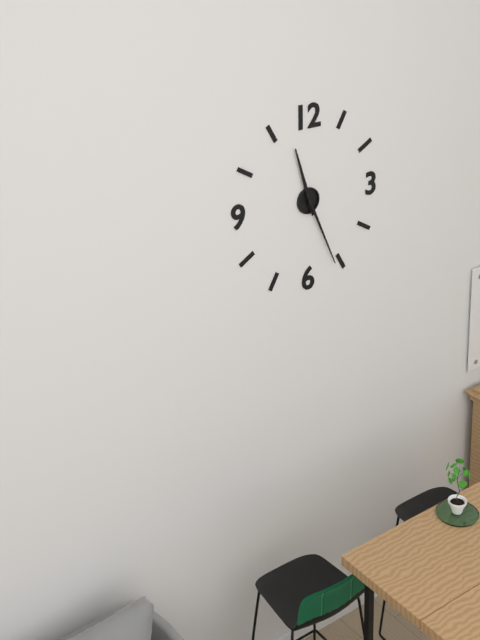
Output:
**11:26**
